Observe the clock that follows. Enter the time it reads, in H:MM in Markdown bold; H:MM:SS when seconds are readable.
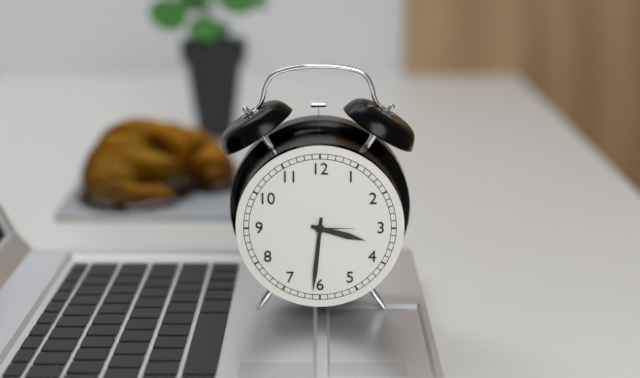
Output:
**3:31**
